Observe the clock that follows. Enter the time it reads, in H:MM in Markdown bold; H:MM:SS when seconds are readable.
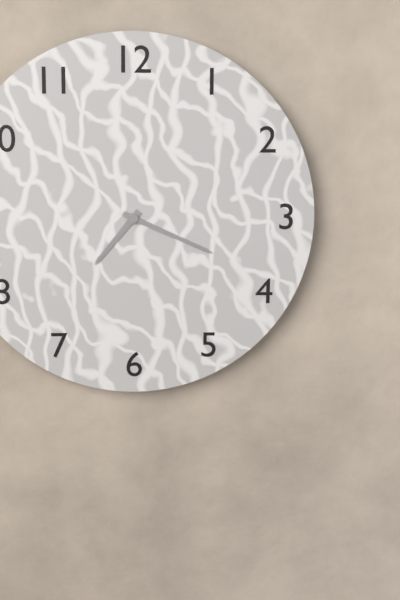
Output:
**7:19**
